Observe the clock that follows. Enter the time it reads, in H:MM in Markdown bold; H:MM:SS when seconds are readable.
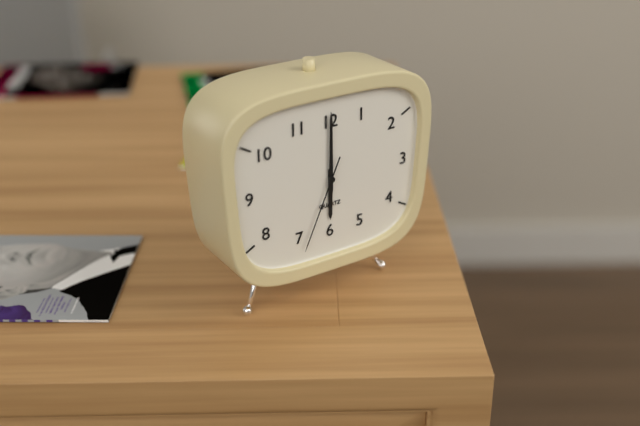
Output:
**6:00:34**
